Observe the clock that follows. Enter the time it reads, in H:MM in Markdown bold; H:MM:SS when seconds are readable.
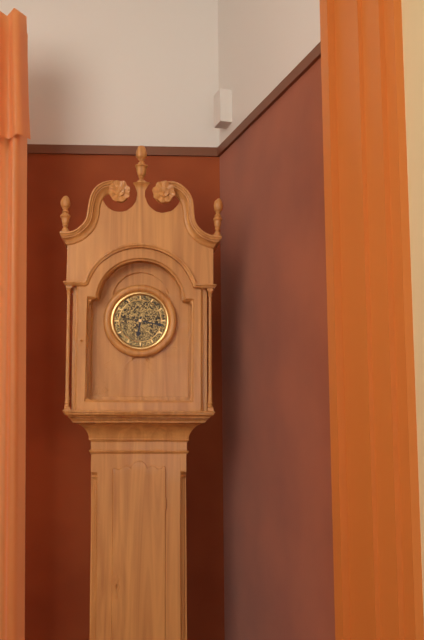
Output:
**6:17**
